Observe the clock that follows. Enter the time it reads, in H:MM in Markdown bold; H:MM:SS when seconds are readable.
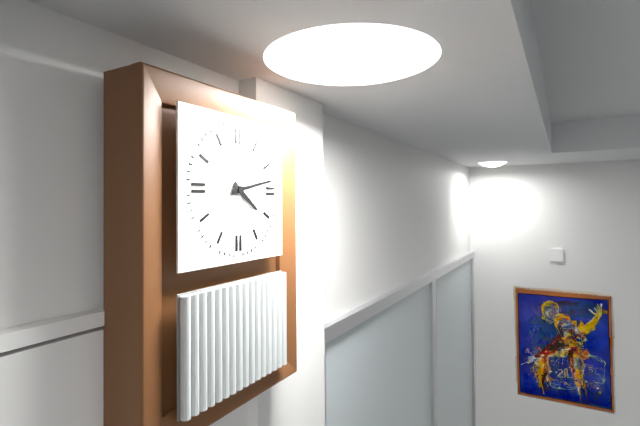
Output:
**4:13**
